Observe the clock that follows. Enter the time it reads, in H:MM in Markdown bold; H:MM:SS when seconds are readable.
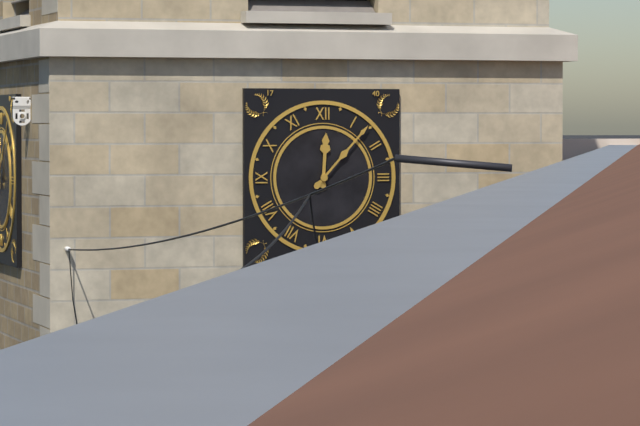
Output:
**12:07**
